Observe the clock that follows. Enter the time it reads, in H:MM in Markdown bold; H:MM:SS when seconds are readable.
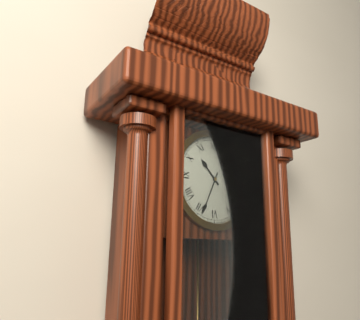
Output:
**10:34**
